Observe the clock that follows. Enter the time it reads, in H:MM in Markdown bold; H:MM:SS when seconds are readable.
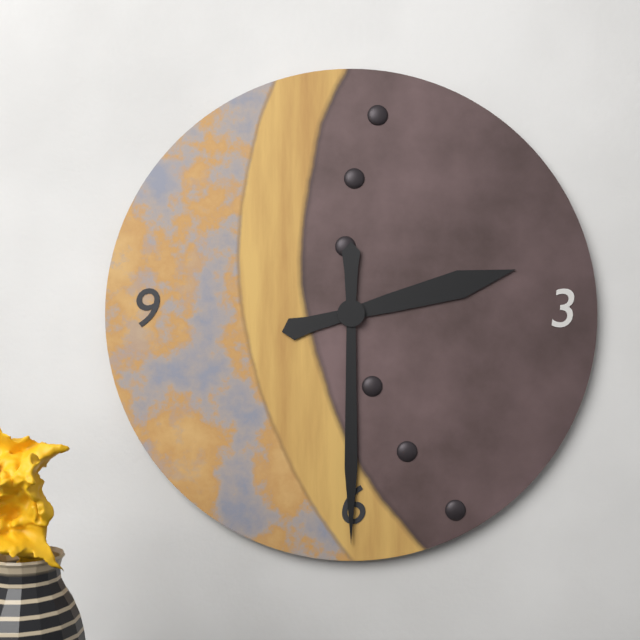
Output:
**2:30**
